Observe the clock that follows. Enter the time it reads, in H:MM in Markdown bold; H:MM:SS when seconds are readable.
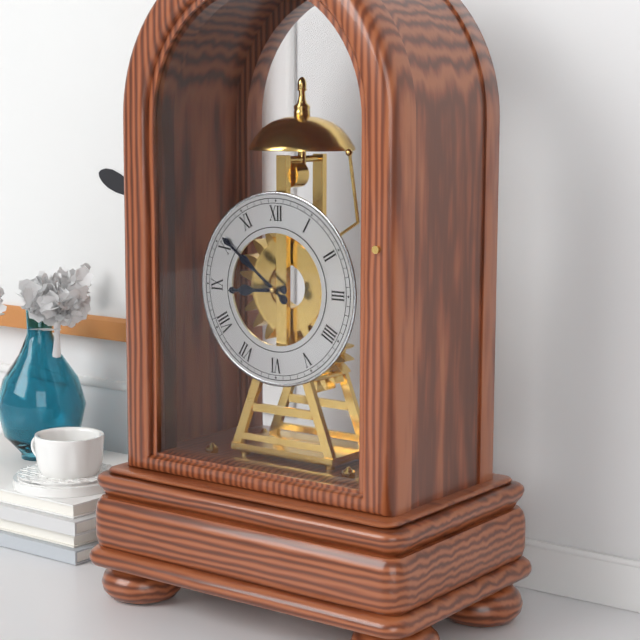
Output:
**8:51**
